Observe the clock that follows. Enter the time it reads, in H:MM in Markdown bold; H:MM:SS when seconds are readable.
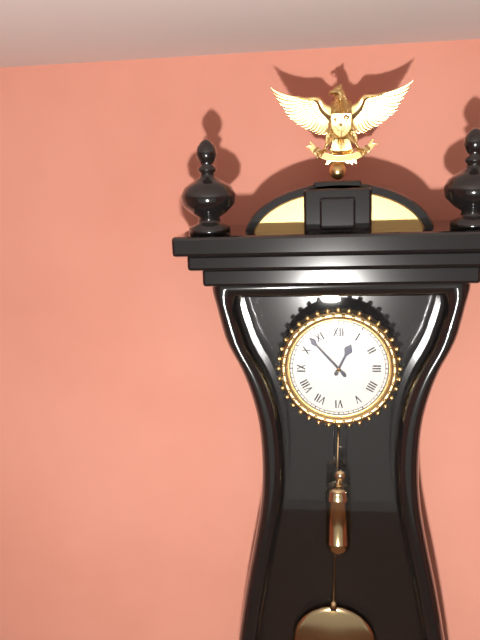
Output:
**12:53**
